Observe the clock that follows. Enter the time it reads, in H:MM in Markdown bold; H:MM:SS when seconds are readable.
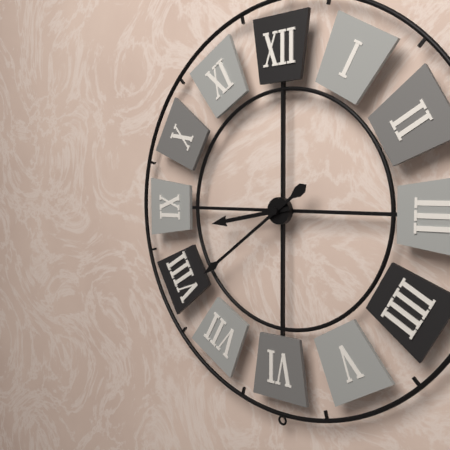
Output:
**8:39**
